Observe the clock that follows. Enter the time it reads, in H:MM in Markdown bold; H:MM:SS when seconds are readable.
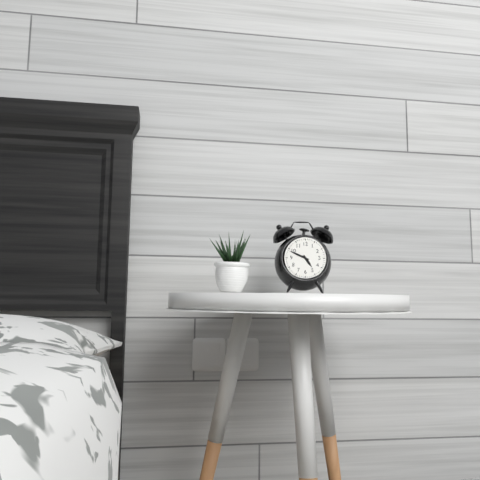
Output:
**4:49**
